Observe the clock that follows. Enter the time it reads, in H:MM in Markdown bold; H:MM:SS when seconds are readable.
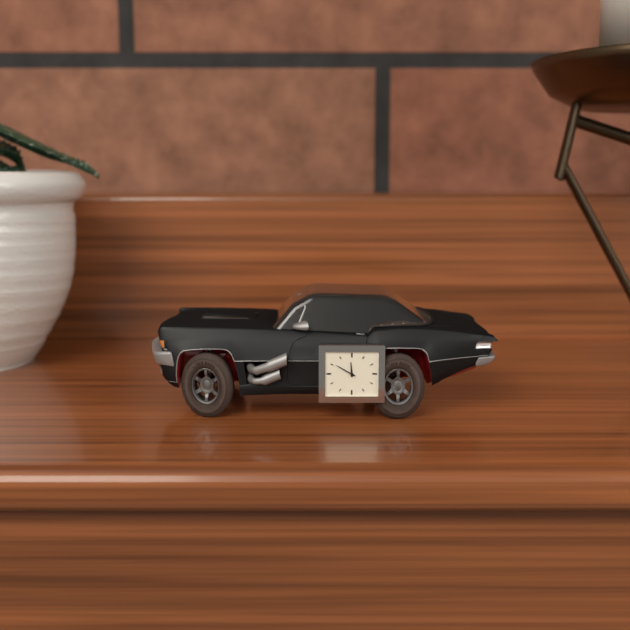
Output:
**11:50**
